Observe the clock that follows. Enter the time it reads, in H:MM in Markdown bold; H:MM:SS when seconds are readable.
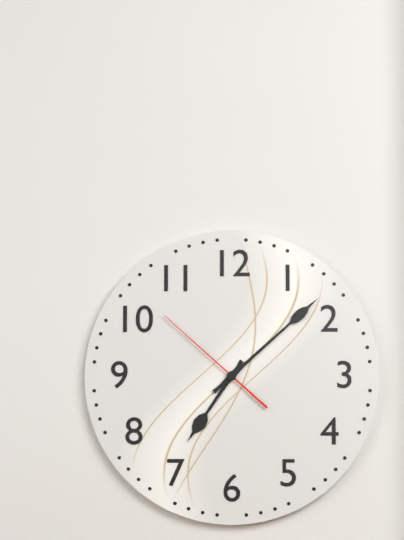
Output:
**7:08:52**
